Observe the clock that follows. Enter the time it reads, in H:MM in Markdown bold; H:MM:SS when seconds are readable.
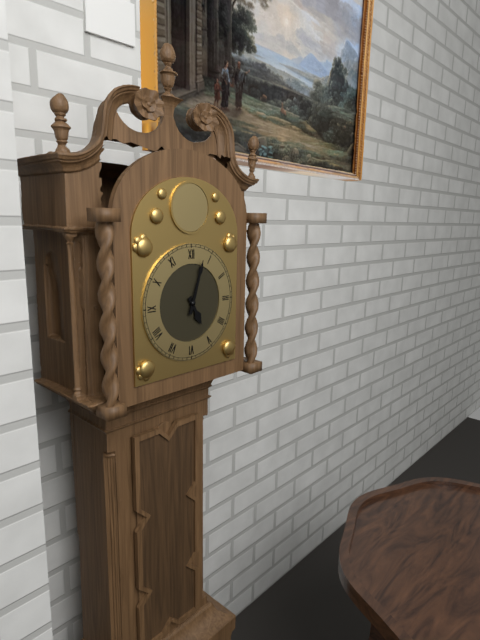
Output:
**5:03**
